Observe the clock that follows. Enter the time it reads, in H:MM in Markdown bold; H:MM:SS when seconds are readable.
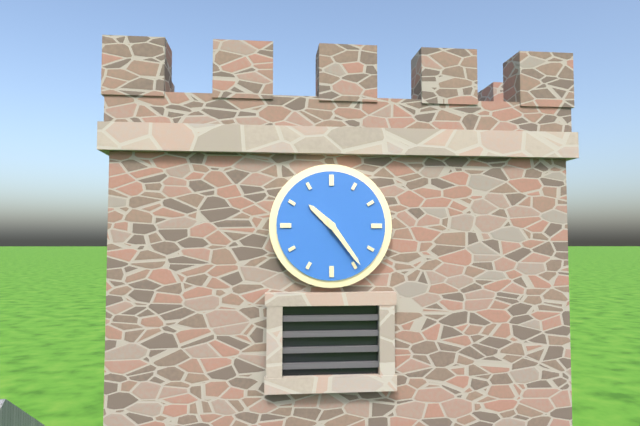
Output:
**10:24**
